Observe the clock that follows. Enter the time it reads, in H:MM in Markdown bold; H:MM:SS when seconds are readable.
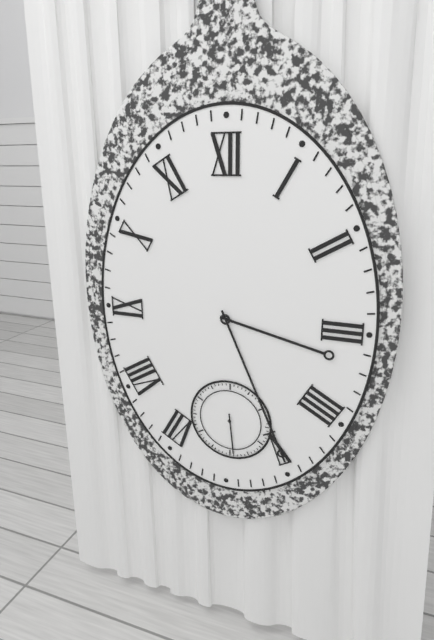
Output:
**3:26**
